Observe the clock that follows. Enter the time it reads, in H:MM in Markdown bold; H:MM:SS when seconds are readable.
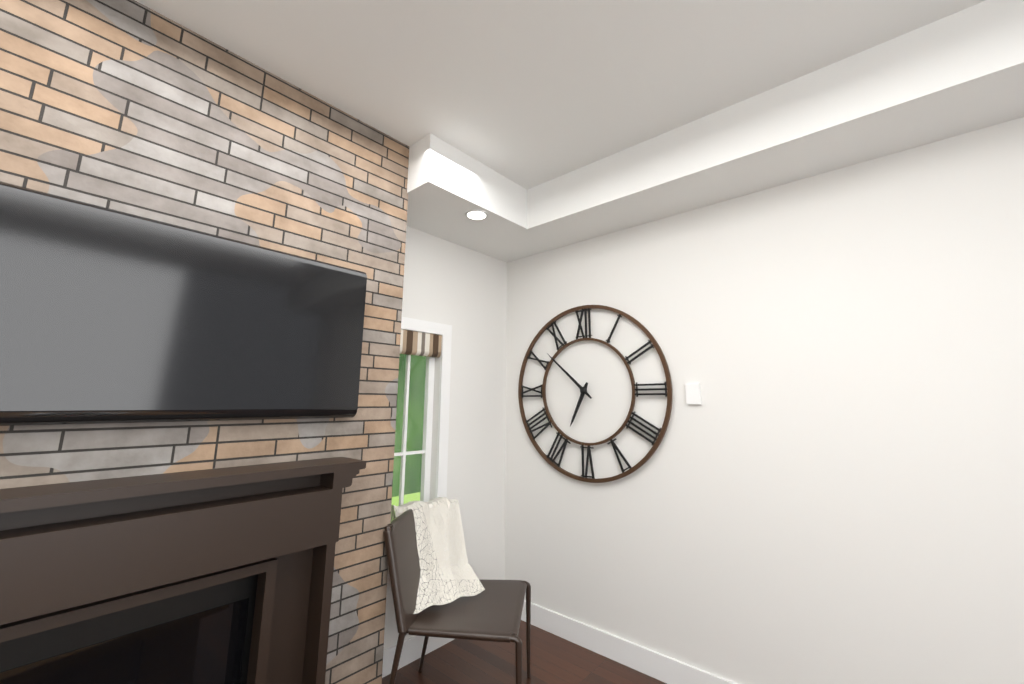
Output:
**6:52**
